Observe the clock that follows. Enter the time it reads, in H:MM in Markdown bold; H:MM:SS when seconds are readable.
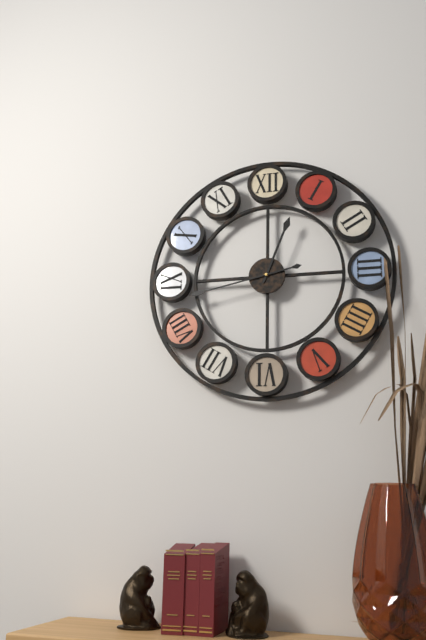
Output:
**12:43**
